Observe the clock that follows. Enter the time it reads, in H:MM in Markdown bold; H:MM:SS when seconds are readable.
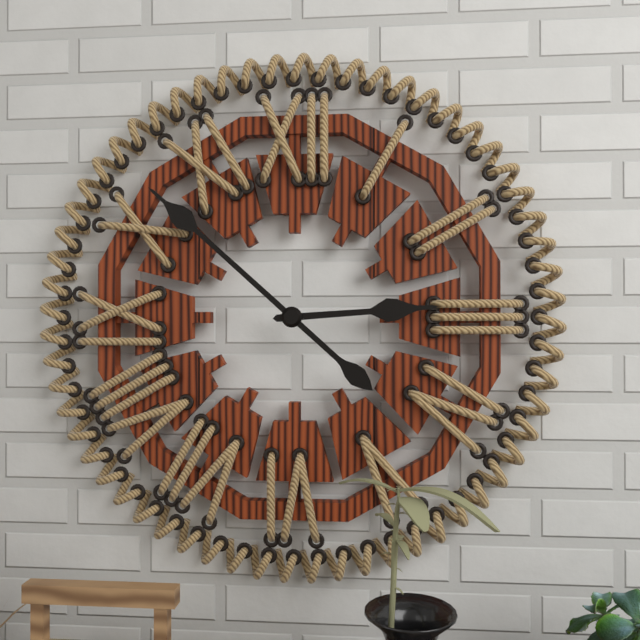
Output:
**2:52**
